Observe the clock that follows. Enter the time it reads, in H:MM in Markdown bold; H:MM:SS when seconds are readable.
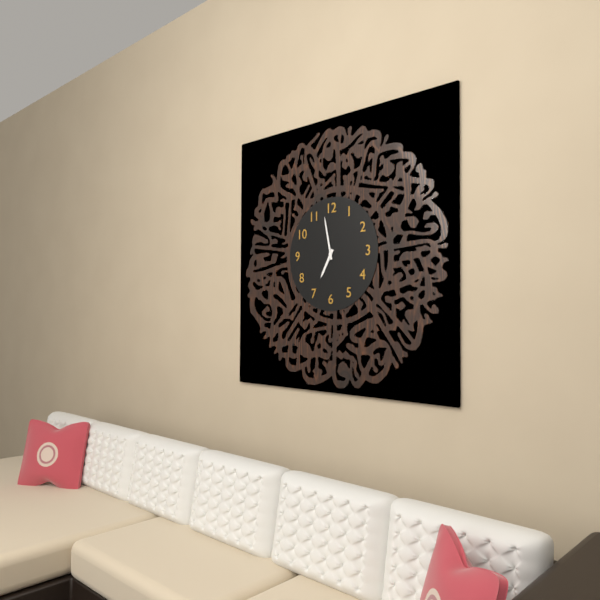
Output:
**6:58**
